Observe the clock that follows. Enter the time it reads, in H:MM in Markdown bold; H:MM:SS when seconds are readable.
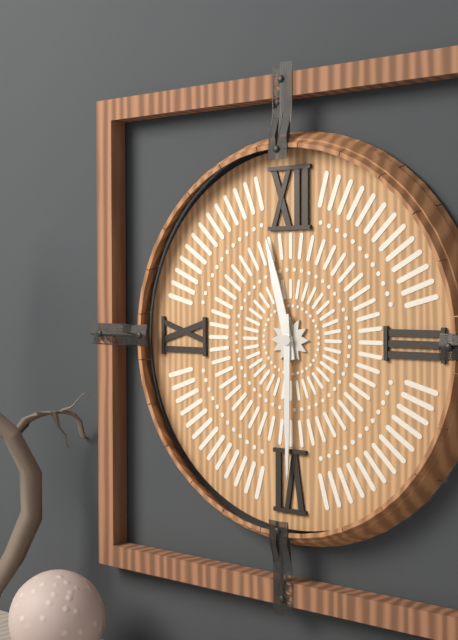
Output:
**11:30**
